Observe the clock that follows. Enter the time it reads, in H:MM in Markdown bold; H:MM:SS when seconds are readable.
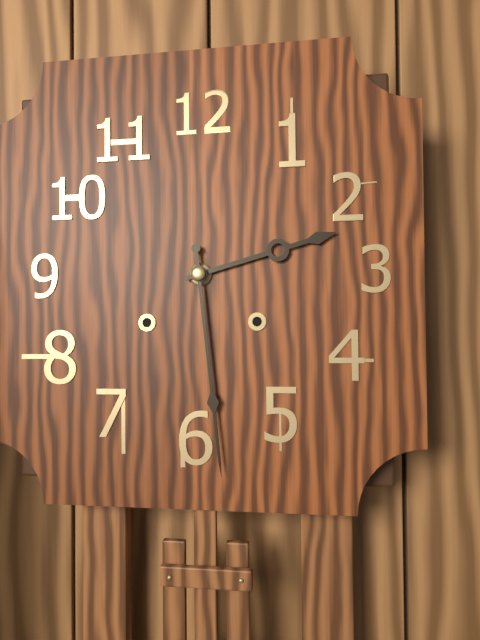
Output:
**2:29**
